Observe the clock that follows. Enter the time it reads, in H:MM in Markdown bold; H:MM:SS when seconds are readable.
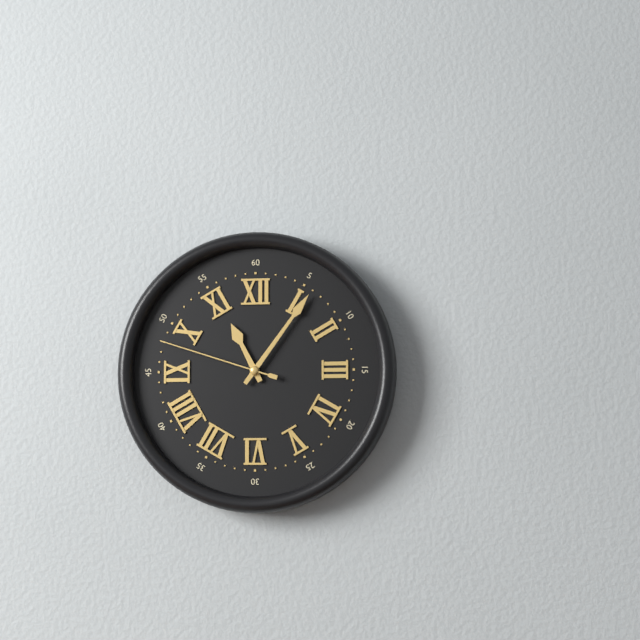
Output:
**11:06:48**
